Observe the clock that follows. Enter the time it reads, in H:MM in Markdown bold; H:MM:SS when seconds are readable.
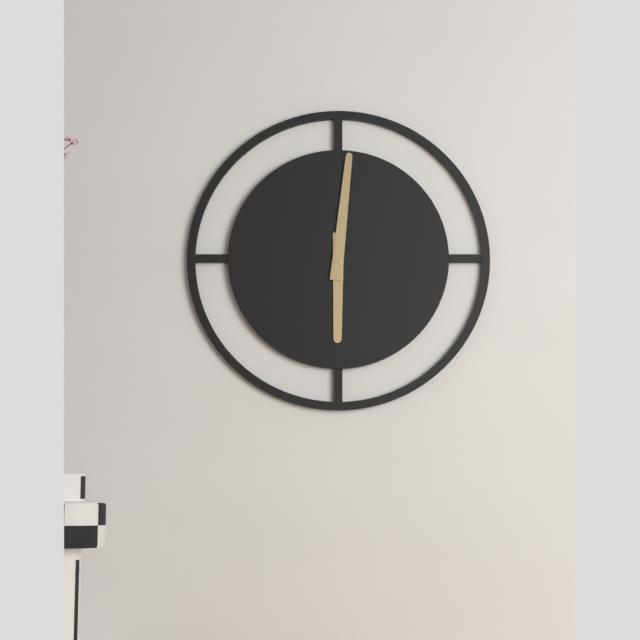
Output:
**6:01**
